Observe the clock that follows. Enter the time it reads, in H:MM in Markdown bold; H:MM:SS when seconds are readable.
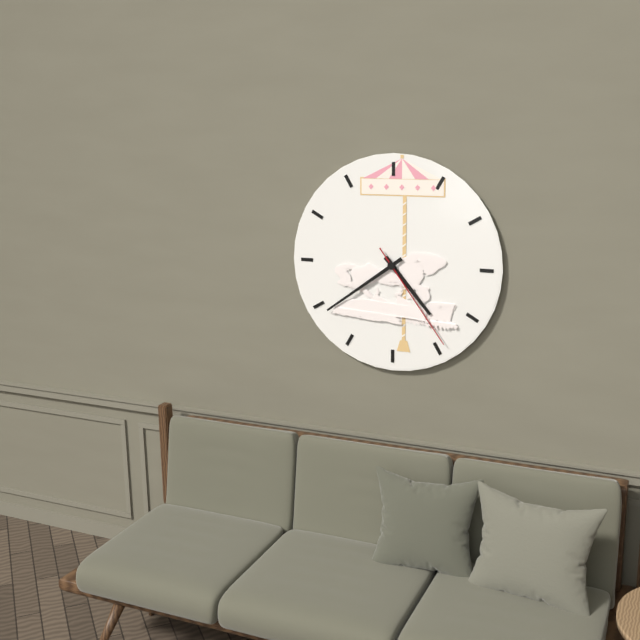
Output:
**4:39:24**
